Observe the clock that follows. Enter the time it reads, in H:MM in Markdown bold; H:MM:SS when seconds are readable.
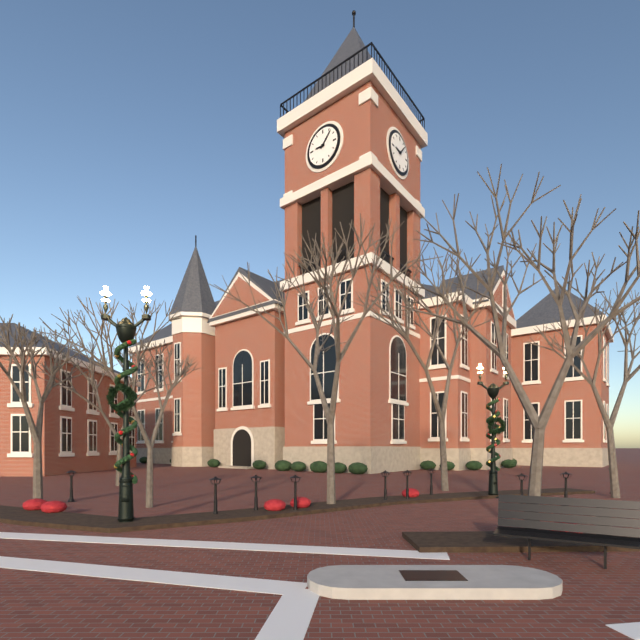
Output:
**9:07**
